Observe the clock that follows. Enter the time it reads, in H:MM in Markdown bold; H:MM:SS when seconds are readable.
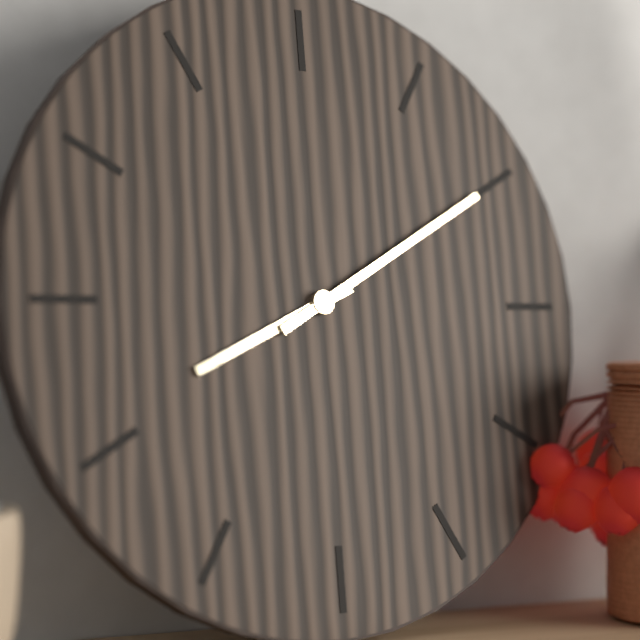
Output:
**8:10**
